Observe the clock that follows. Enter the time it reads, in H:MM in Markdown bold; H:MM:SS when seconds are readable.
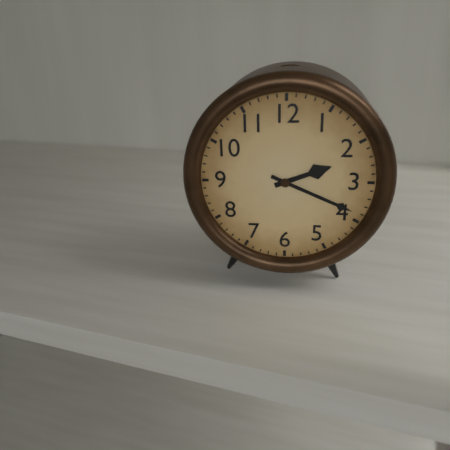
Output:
**2:19**
